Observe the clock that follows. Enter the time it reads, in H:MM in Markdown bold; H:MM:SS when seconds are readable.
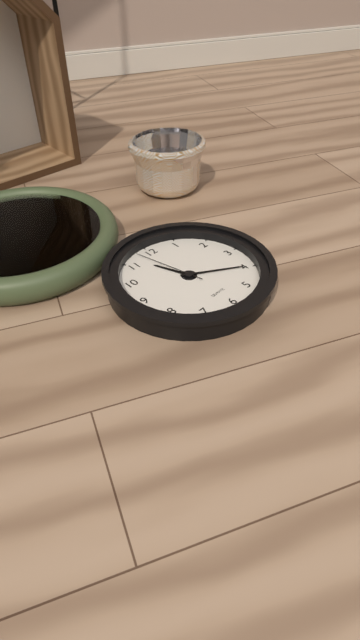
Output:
**11:20:58**
